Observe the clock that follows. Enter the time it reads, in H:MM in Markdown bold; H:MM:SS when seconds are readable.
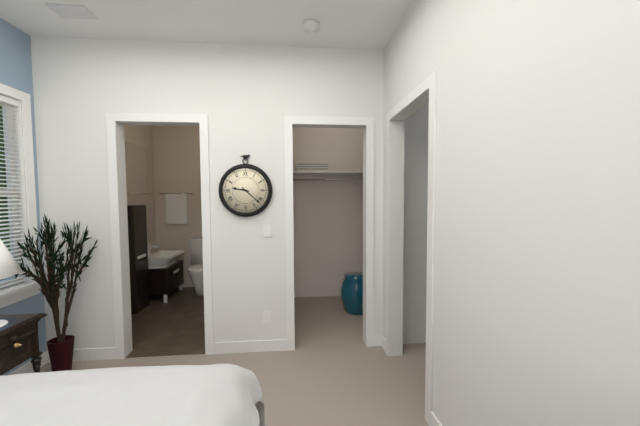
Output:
**9:22**
